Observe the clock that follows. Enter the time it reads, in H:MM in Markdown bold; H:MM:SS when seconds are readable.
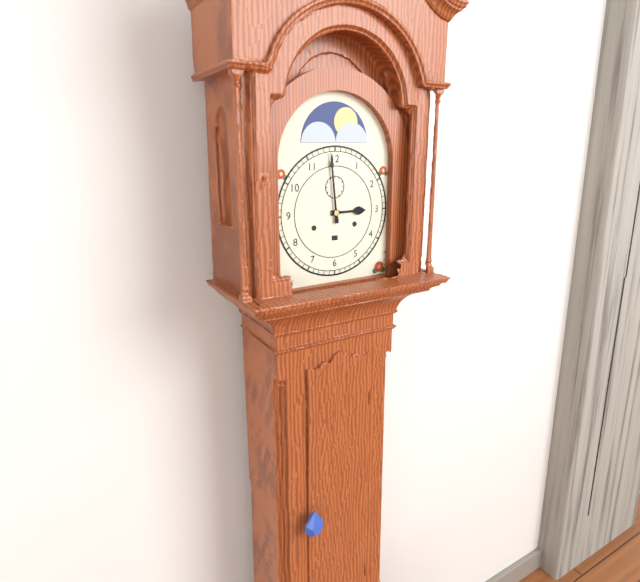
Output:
**2:59**
